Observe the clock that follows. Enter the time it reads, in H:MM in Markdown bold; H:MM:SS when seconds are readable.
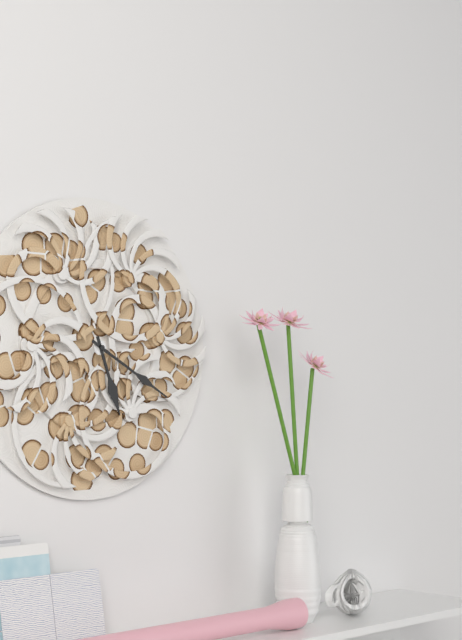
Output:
**5:20**
